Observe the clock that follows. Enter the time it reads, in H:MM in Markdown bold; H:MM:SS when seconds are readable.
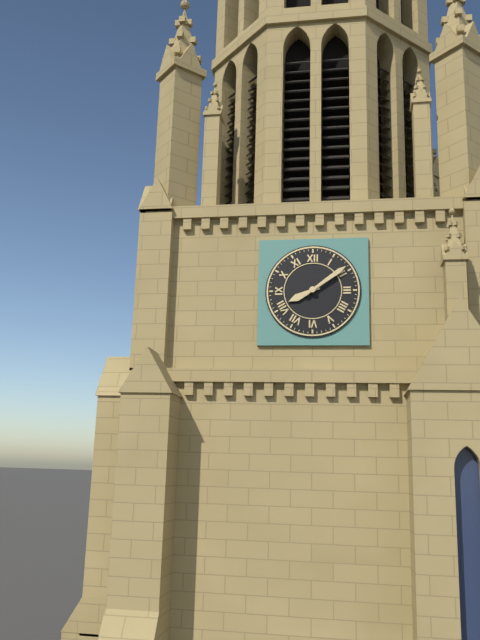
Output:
**8:09**
